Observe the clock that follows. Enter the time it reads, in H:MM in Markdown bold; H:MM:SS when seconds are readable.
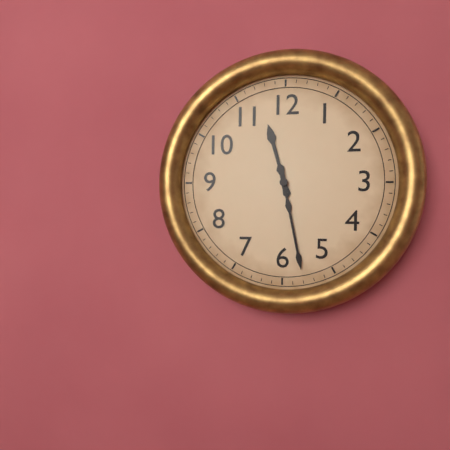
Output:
**11:28**
